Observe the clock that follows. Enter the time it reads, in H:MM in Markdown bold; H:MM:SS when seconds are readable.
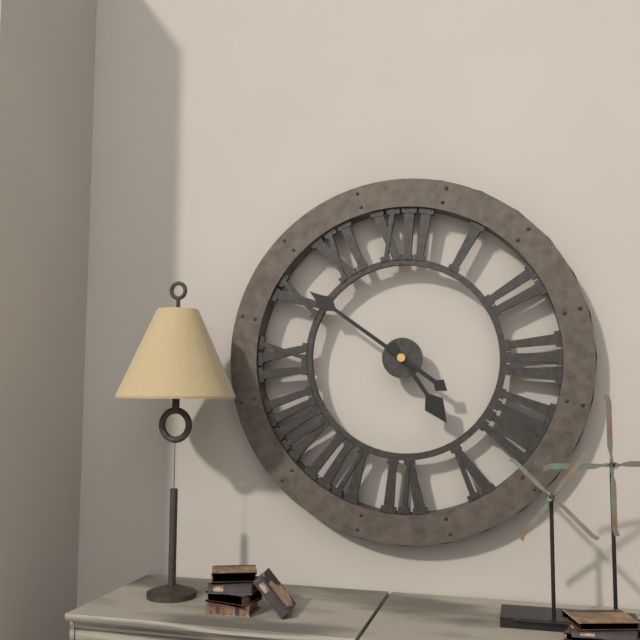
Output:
**4:51**
